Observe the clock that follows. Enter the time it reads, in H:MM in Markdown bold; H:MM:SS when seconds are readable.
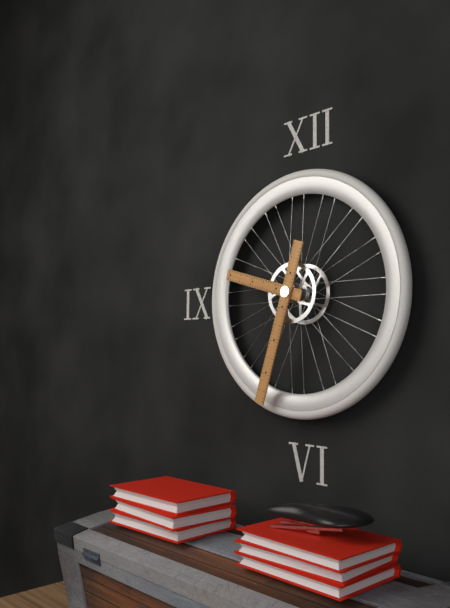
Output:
**9:33**
